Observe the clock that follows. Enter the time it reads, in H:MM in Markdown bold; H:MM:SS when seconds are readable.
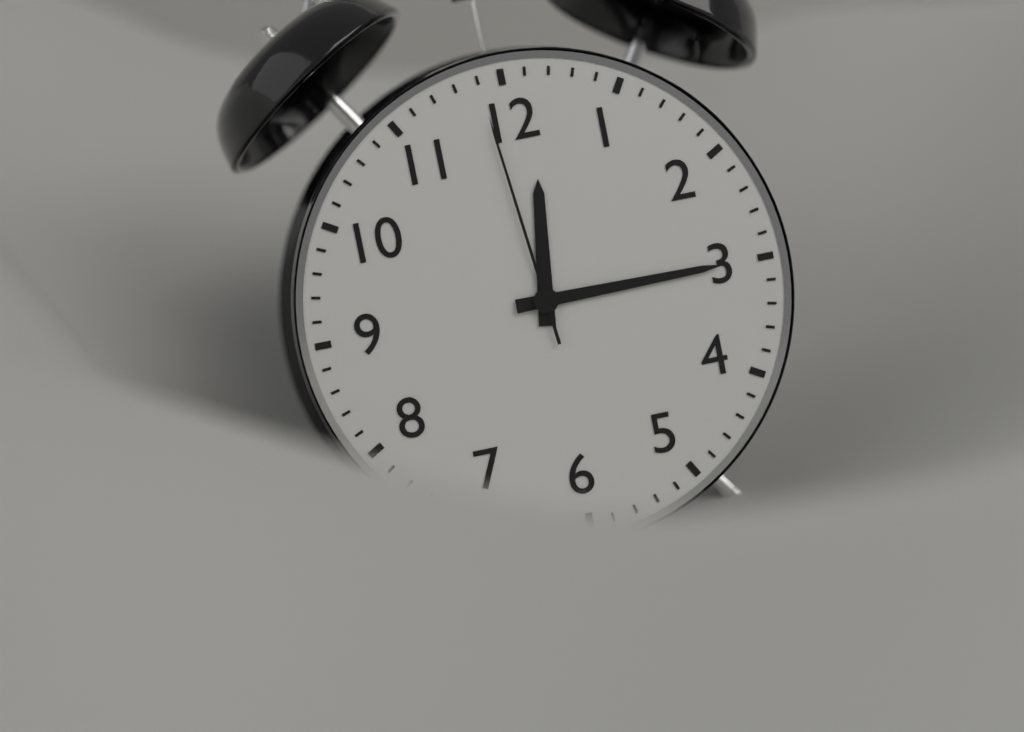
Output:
**12:15:59**
